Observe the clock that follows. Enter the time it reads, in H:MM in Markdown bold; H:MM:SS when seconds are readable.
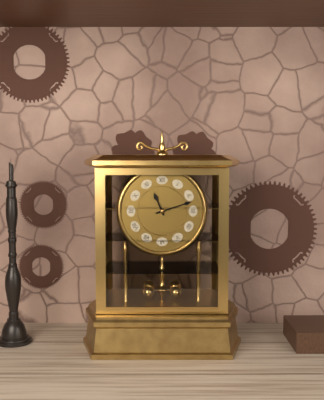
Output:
**11:12**
